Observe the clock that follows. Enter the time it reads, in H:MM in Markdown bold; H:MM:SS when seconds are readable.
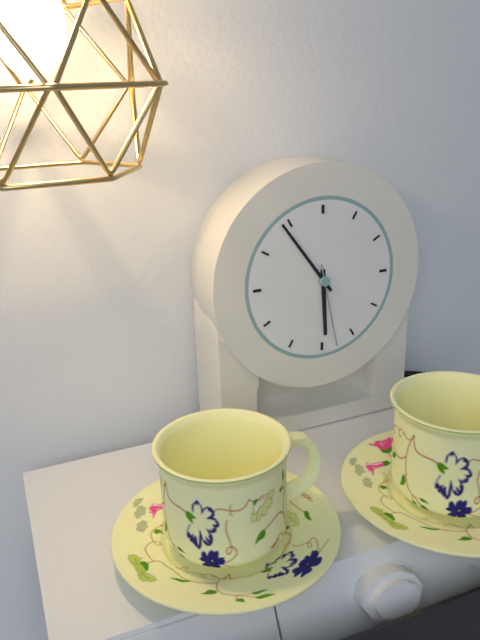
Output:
**5:54:28**
